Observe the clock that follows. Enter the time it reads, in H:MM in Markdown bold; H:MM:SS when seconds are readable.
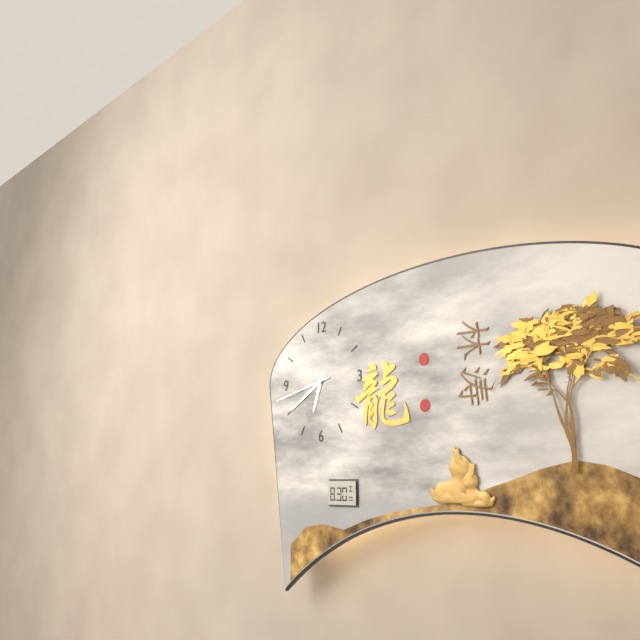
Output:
**6:40:43**
